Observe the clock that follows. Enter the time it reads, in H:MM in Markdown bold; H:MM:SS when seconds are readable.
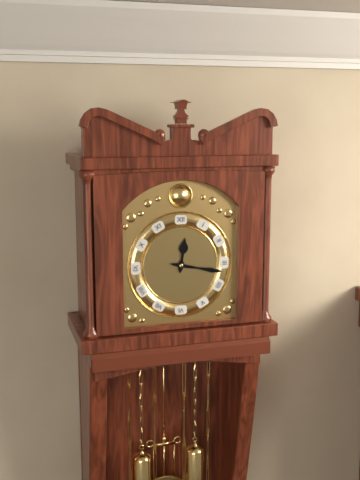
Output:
**12:17**
